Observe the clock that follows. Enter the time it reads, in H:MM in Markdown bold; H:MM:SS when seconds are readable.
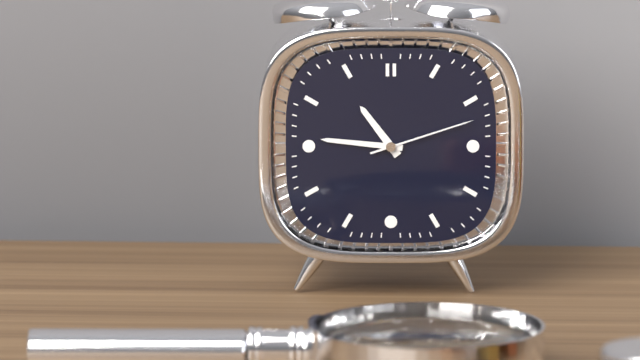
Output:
**10:46:12**
